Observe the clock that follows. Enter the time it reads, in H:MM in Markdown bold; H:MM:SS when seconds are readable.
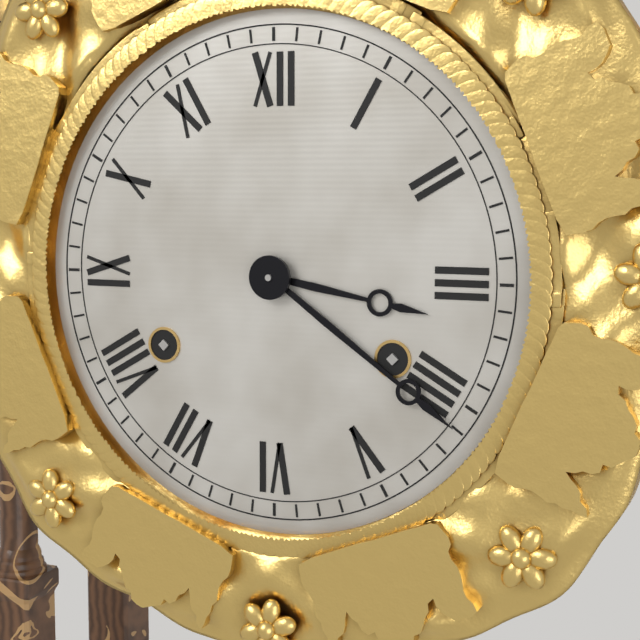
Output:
**3:21**
